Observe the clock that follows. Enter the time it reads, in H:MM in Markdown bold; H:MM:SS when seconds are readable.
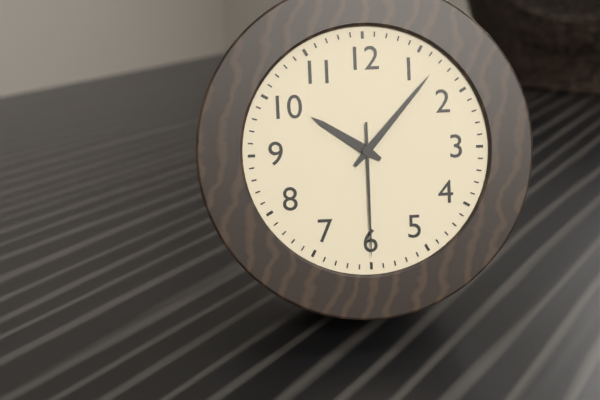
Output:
**10:07:30**
